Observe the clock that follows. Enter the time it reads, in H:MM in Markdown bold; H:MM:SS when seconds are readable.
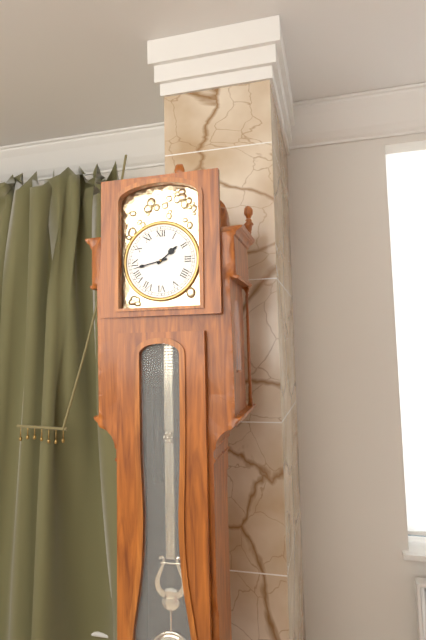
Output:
**1:43**
